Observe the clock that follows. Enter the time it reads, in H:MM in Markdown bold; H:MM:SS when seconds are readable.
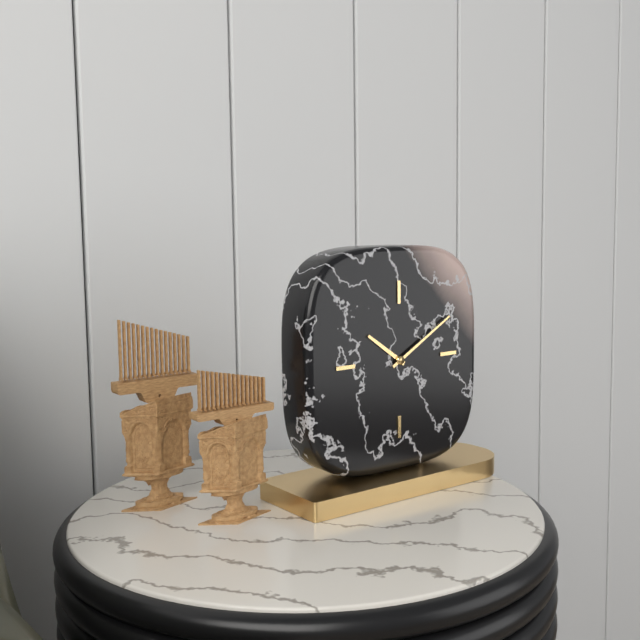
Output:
**10:10**
